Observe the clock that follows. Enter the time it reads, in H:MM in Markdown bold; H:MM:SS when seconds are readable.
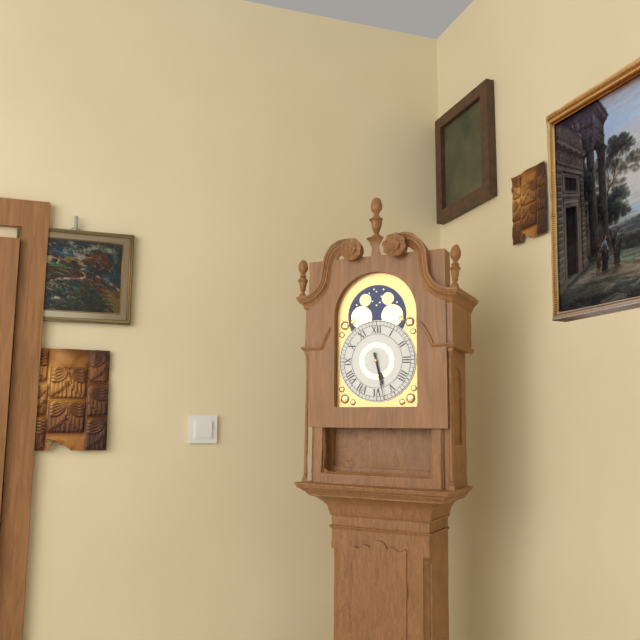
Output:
**5:28**
